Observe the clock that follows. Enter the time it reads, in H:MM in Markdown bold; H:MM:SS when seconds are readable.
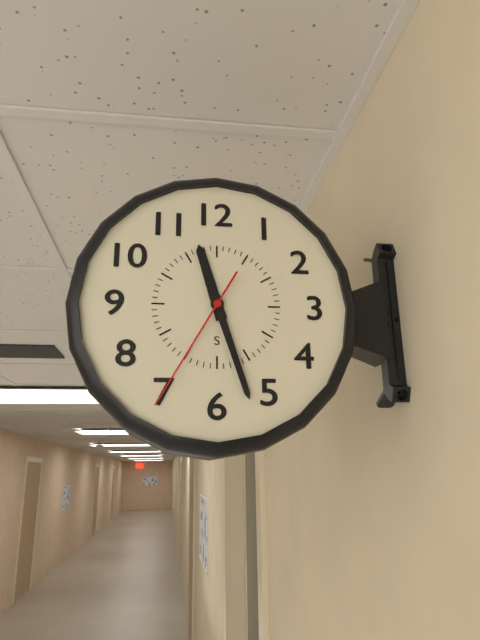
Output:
**11:27:35**
